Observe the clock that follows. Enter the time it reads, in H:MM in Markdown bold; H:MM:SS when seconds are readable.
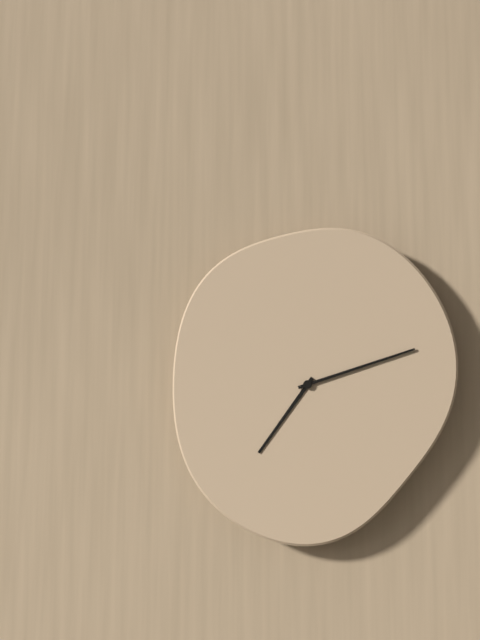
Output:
**7:12**
